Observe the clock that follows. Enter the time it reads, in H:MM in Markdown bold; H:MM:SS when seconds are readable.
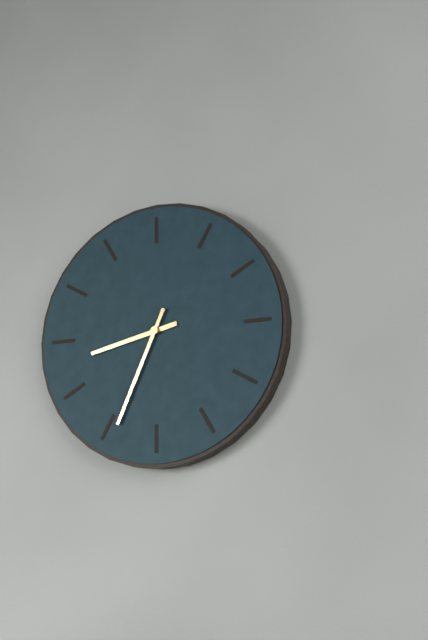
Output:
**8:34**
